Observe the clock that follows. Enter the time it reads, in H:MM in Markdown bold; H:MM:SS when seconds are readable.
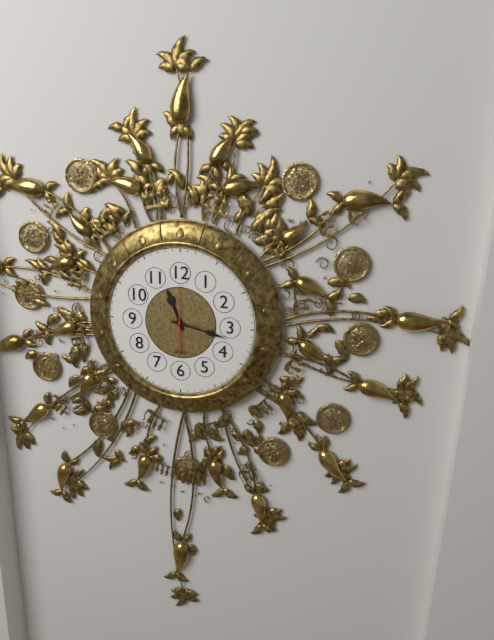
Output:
**11:17**
